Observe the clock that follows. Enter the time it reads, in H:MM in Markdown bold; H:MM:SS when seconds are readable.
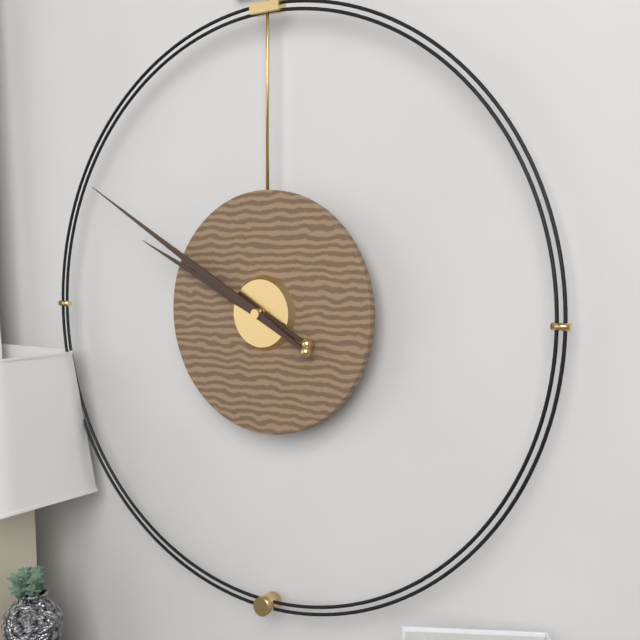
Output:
**9:50**
